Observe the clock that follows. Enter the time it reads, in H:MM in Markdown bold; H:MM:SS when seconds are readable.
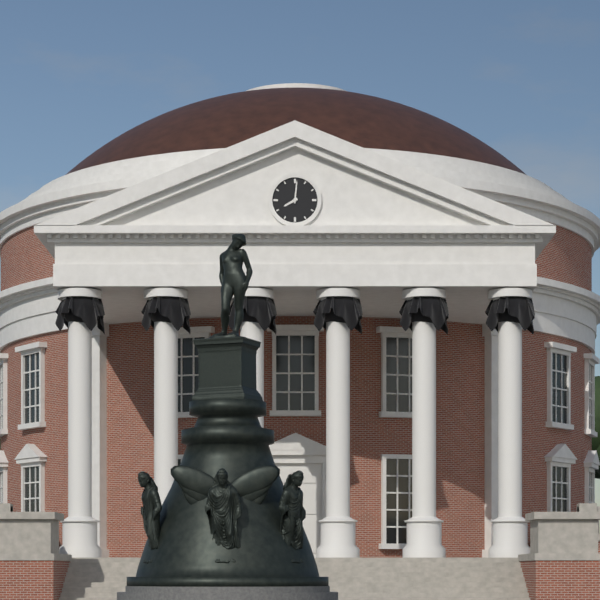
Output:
**8:01**
